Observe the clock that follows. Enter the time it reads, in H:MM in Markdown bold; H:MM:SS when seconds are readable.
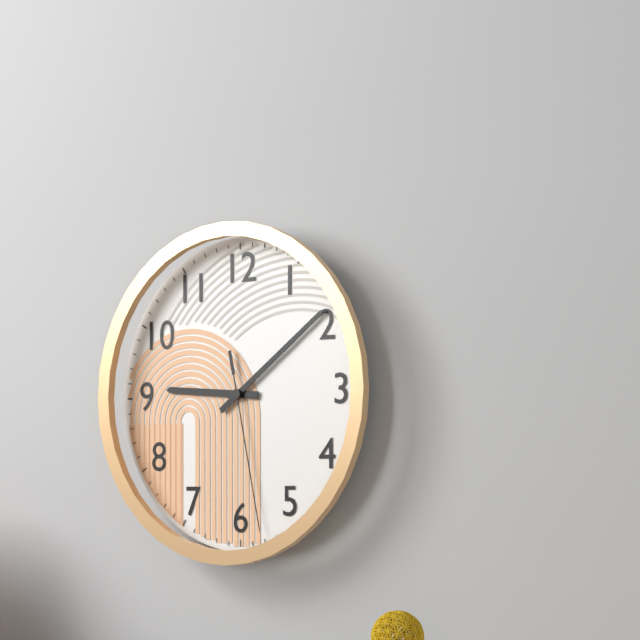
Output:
**9:09:28**
